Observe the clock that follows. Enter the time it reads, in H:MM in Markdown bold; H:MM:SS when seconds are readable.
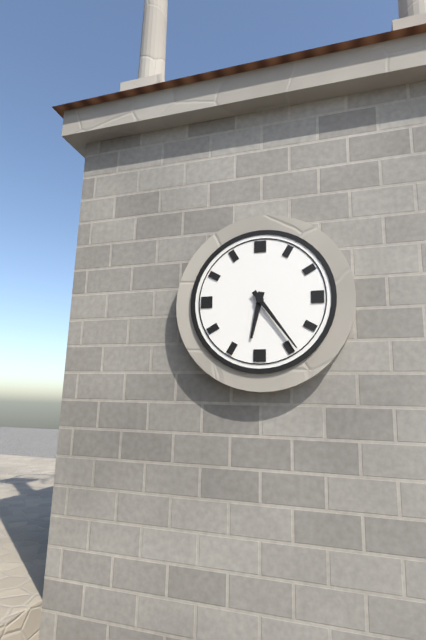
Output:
**6:24**
